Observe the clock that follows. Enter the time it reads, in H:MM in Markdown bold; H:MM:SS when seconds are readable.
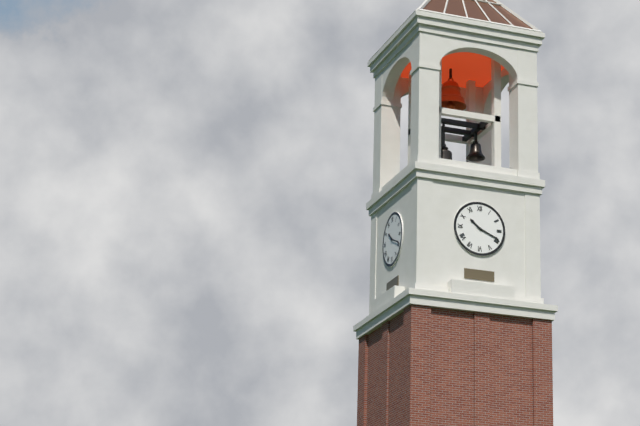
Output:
**10:19**
